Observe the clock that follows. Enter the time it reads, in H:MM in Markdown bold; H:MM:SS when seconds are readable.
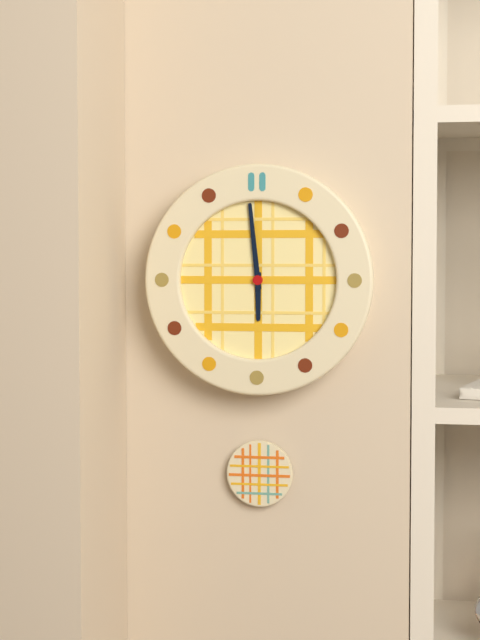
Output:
**5:59**
